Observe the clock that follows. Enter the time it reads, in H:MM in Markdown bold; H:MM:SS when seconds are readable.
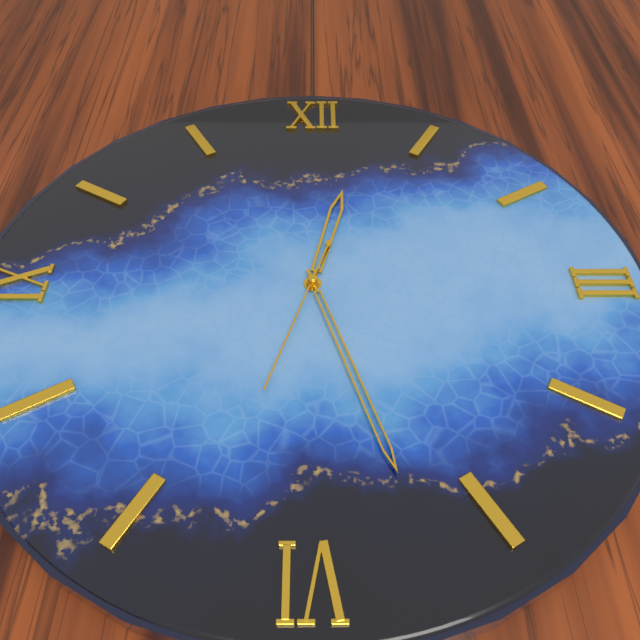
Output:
**12:27:33**
